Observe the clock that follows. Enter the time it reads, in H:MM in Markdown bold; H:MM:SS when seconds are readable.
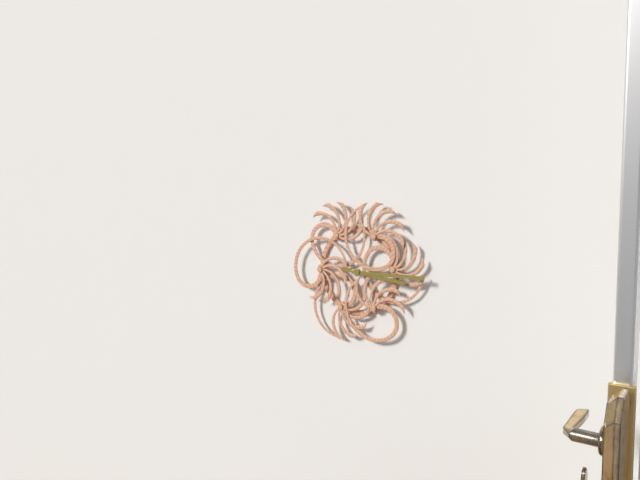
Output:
**3:15**
